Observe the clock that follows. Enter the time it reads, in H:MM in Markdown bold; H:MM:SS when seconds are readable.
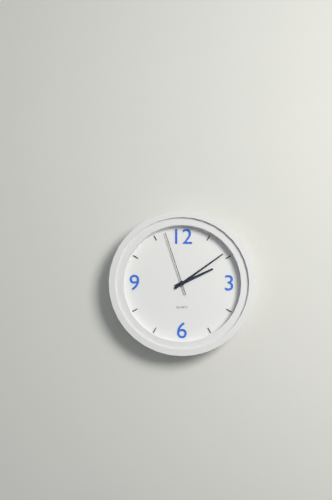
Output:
**2:09:57**
